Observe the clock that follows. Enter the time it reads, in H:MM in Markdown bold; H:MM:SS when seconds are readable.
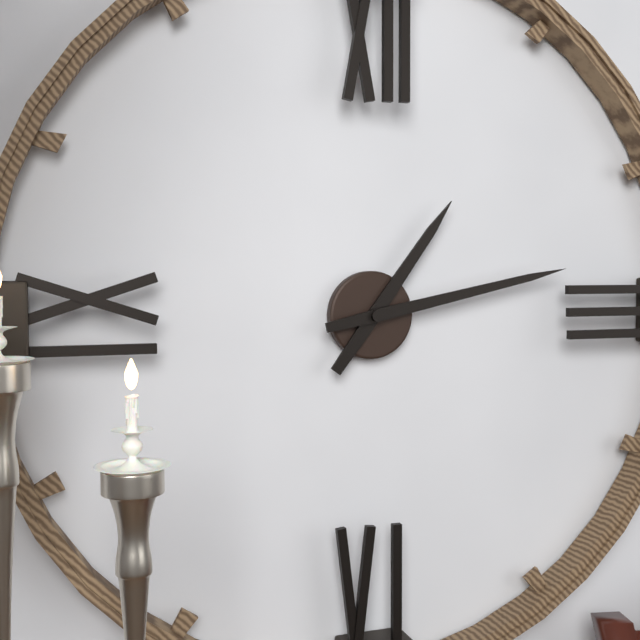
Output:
**1:13**
